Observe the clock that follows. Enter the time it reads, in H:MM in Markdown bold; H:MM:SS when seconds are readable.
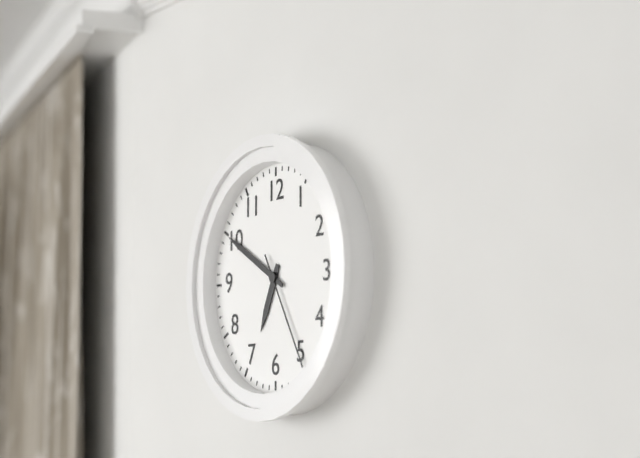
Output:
**6:50:25**
